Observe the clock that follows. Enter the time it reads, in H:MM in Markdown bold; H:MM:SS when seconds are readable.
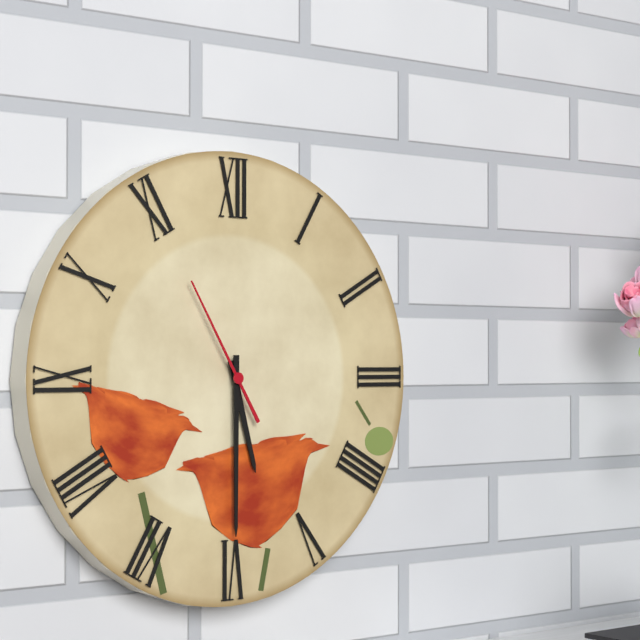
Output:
**5:30:55**
